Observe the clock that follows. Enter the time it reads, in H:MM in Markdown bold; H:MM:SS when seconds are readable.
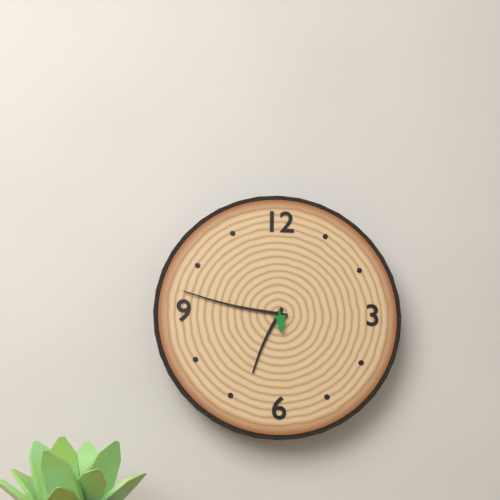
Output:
**6:47**
